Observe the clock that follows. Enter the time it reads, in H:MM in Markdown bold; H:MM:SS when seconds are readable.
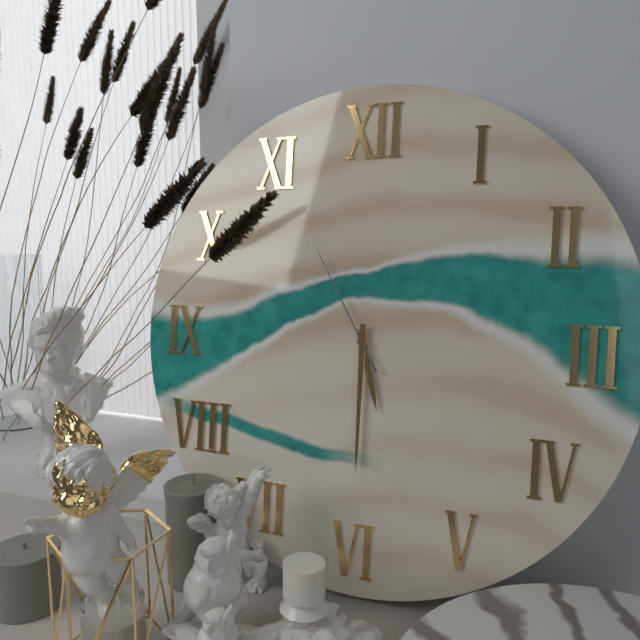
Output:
**5:30:55**
